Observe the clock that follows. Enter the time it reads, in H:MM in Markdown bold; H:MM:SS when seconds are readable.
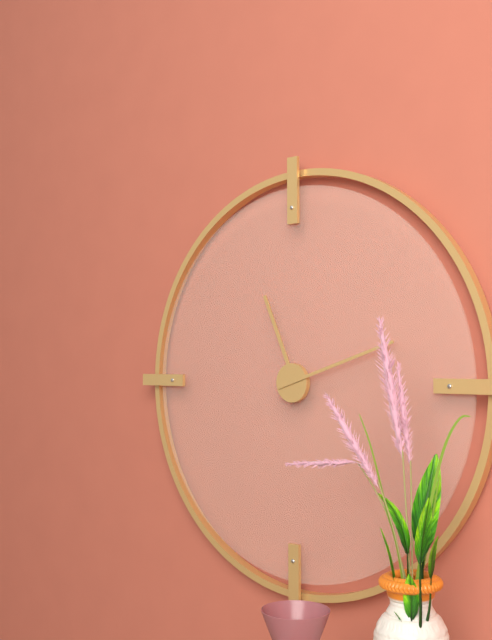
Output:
**11:12**
